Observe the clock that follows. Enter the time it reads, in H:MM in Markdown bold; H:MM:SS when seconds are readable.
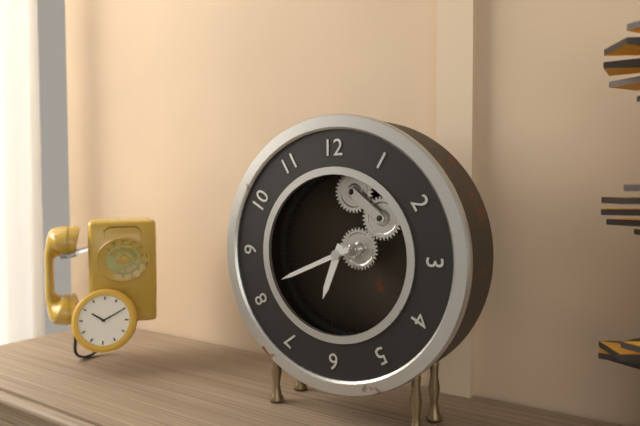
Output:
**6:41**
